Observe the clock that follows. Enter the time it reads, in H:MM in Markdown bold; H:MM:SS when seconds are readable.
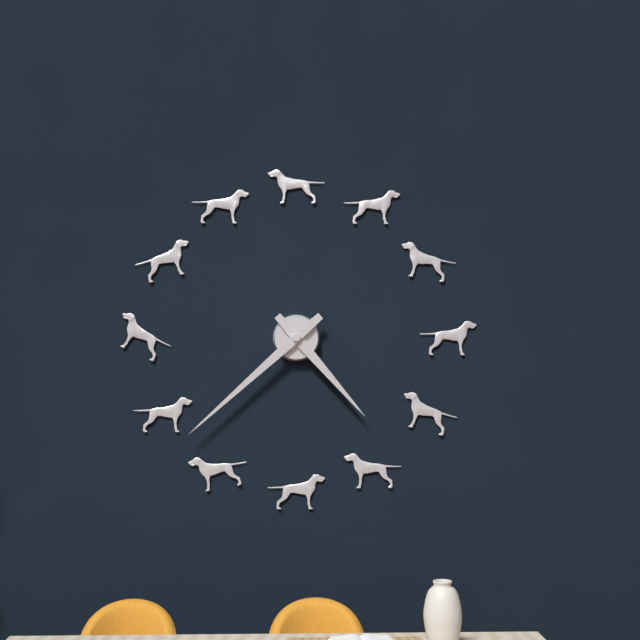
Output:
**4:38**
